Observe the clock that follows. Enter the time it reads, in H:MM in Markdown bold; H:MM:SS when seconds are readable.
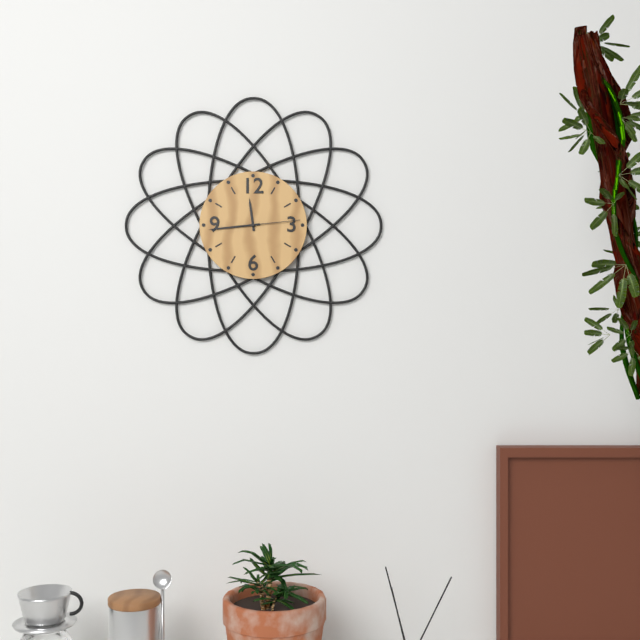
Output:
**11:44:14**
